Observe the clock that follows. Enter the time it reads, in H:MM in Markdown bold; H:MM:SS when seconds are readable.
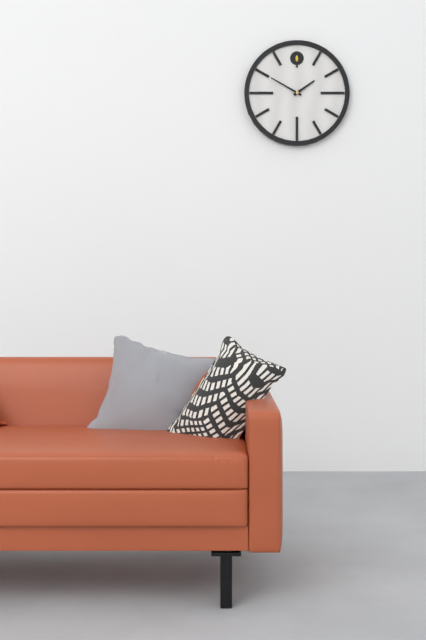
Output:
**1:50**
